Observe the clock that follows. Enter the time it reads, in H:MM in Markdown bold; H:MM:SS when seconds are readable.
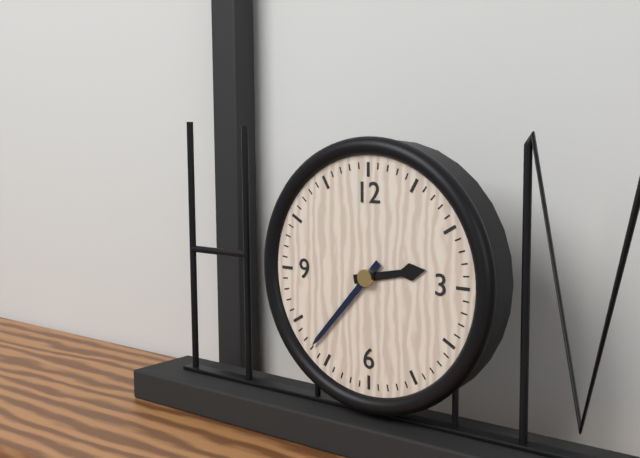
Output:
**2:37**
